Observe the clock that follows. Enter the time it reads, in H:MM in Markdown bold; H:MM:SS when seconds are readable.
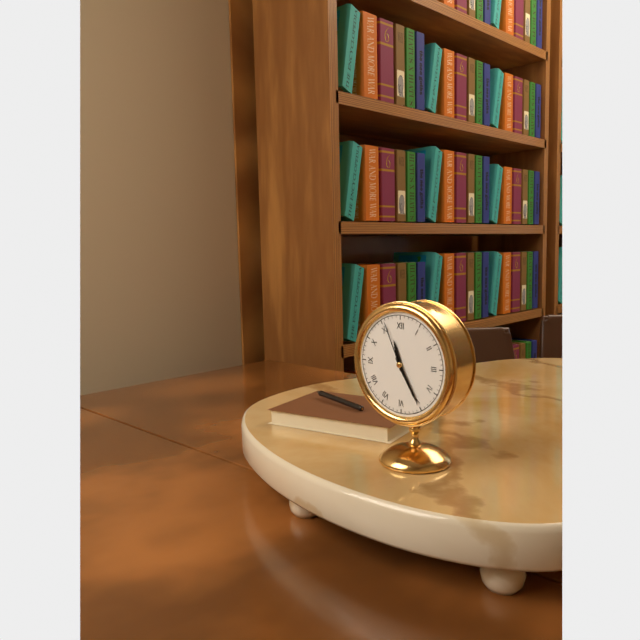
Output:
**11:25:56**
